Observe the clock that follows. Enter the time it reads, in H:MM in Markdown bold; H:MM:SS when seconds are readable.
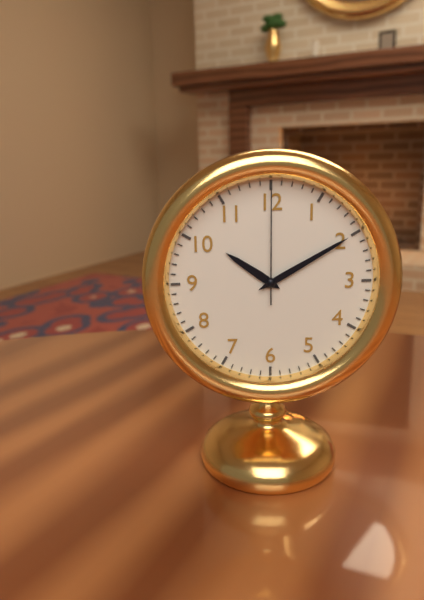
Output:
**10:10:00**
